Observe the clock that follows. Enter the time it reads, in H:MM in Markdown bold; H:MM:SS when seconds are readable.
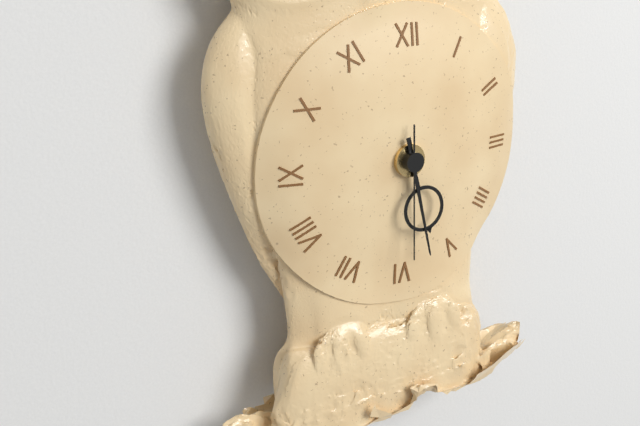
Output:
**5:28:30**
